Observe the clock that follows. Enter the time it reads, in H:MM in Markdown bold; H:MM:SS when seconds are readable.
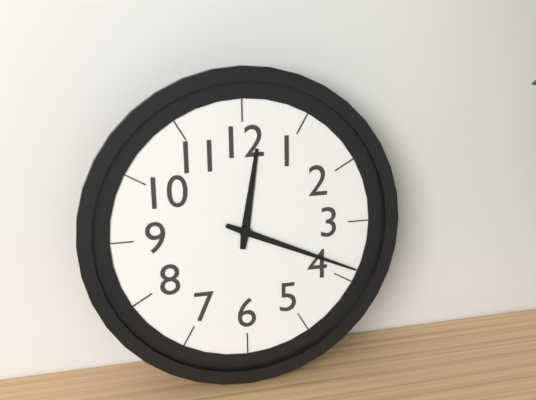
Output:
**12:19**
